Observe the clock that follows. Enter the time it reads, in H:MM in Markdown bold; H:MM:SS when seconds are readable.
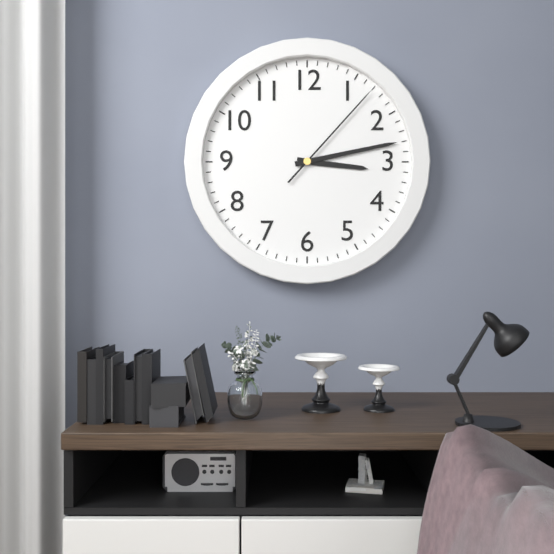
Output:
**3:13:07**
